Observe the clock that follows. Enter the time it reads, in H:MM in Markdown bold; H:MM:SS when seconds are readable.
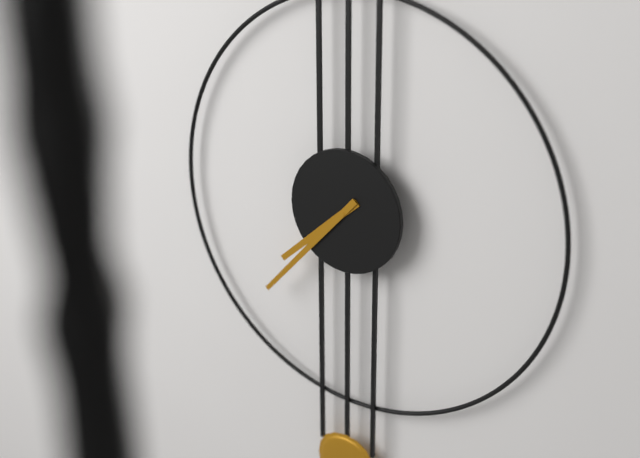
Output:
**7:37**
